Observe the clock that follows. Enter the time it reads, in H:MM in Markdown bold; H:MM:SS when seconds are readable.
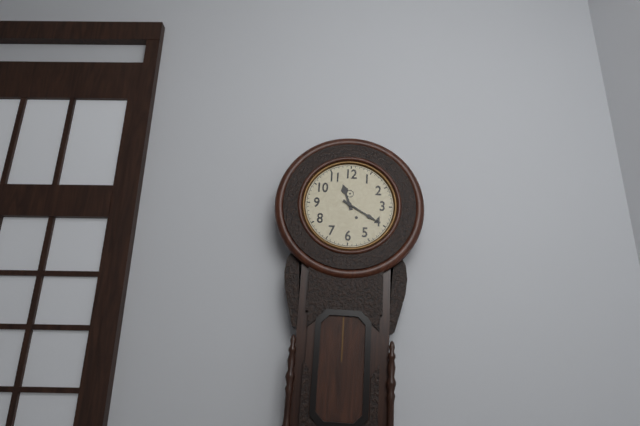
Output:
**11:20**
